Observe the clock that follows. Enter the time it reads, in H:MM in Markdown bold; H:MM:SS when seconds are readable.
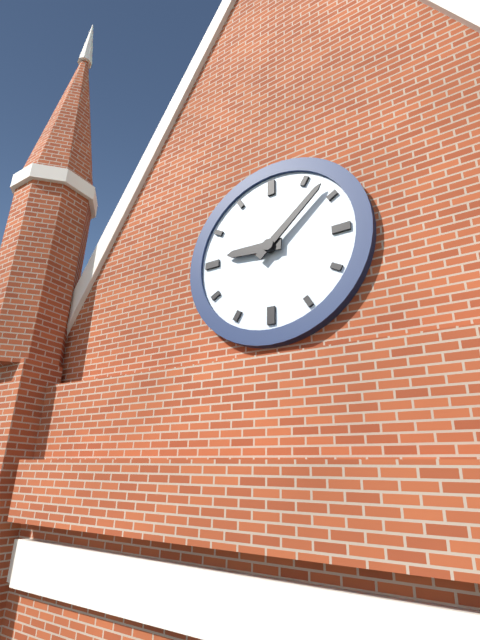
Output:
**9:08**
